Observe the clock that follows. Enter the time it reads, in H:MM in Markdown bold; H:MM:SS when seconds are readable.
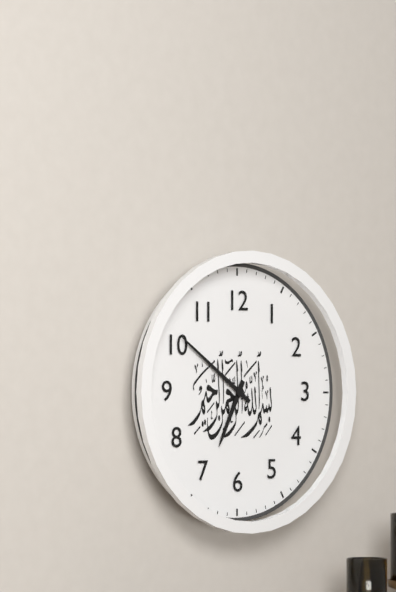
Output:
**6:51**
